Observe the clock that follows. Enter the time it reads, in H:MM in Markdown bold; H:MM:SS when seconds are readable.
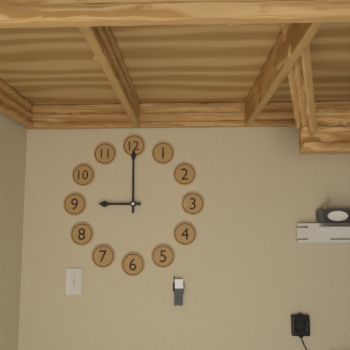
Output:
**9:00**
